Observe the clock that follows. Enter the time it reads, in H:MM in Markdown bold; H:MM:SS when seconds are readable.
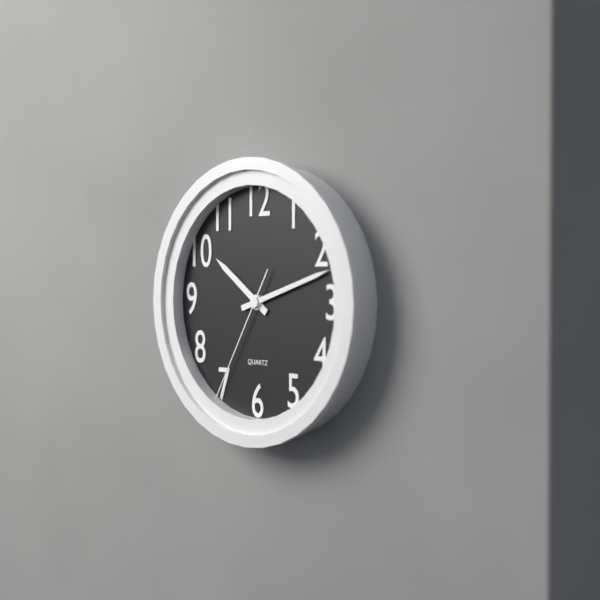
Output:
**10:12:35**
